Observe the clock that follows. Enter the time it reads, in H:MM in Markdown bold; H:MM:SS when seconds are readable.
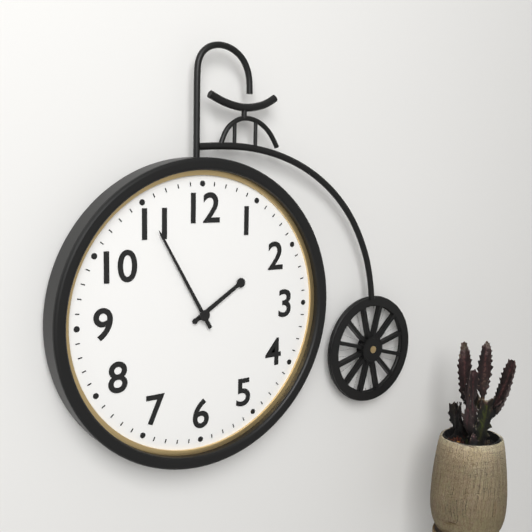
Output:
**1:55**
